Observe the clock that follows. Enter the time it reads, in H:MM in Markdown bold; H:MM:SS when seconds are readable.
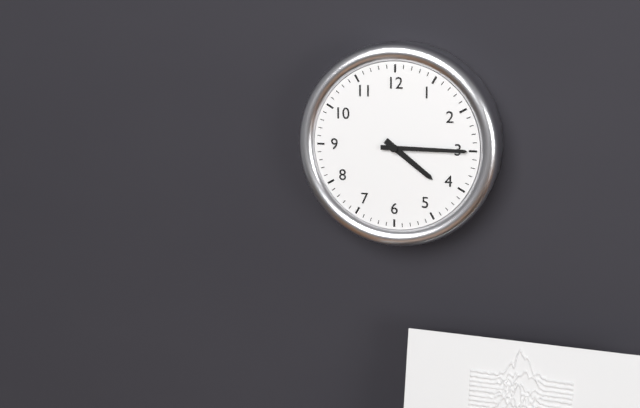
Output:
**4:15**
